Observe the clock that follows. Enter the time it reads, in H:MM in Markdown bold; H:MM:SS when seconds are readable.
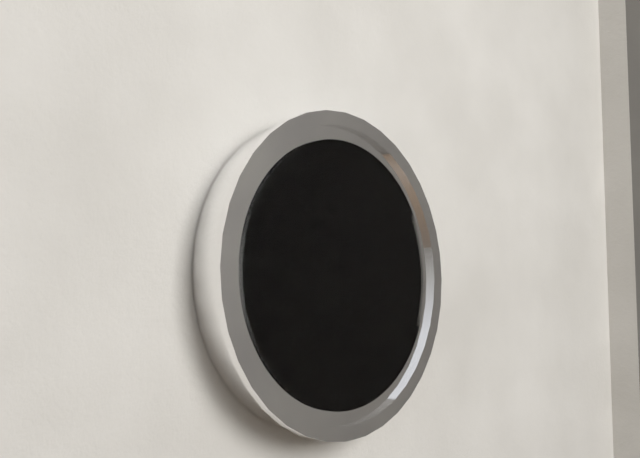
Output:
**10:30**
